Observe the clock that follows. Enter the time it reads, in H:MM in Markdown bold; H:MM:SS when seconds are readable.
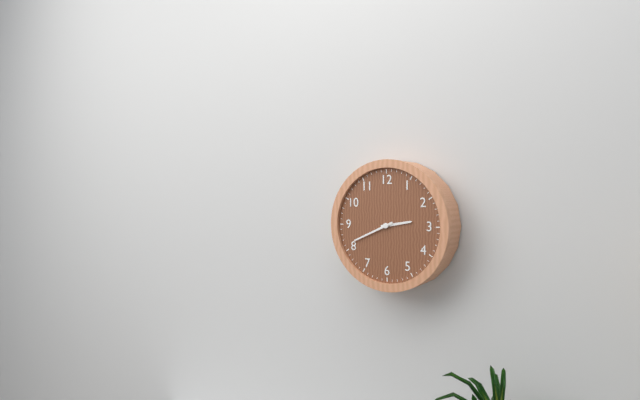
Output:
**2:41**
